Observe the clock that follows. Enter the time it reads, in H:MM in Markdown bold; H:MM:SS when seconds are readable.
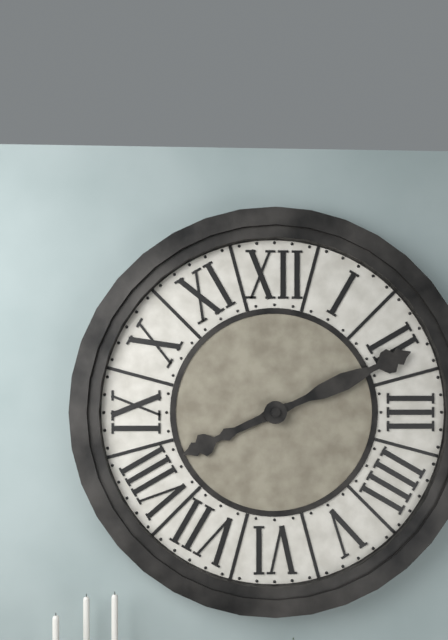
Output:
**8:11**
